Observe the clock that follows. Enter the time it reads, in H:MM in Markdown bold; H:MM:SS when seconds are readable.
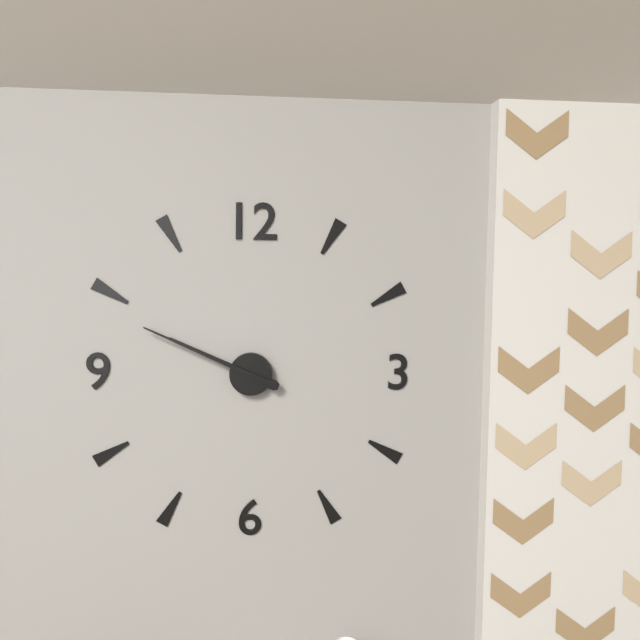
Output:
**9:49**
